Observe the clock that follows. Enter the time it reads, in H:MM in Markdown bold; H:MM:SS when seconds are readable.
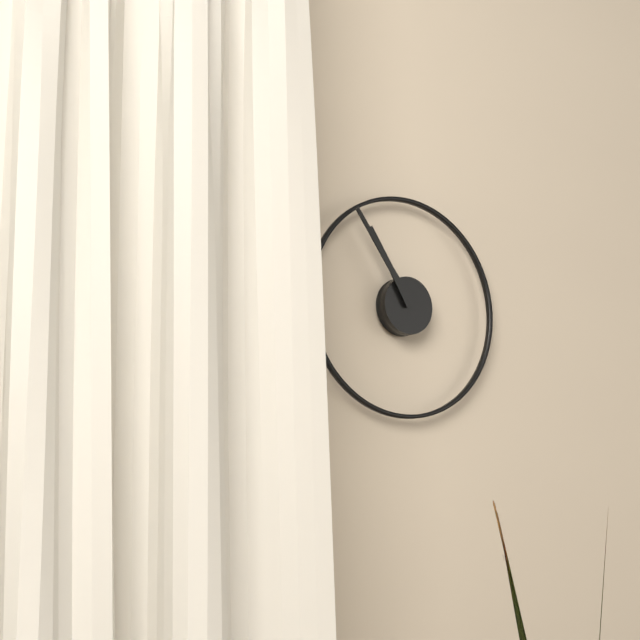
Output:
**10:54**
